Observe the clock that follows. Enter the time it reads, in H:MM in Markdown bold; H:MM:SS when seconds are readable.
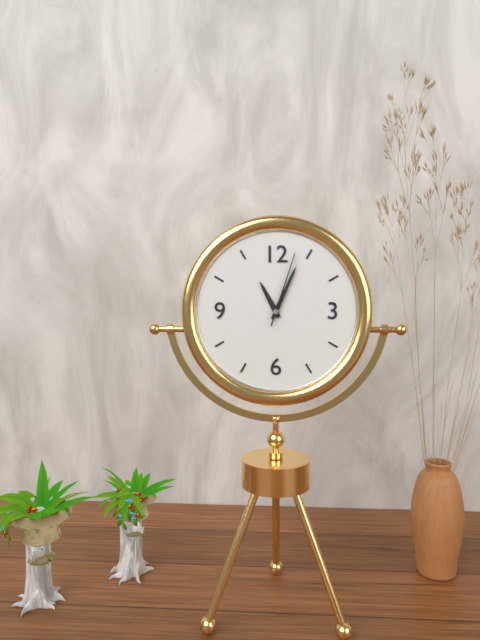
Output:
**11:04:03**
